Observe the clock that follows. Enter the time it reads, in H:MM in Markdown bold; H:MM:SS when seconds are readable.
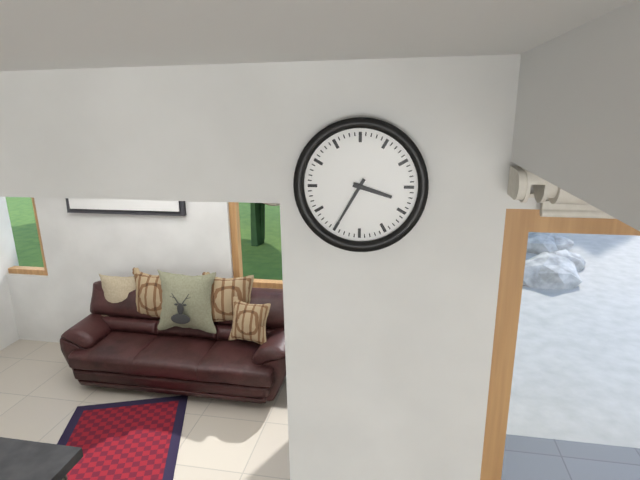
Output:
**3:35**
